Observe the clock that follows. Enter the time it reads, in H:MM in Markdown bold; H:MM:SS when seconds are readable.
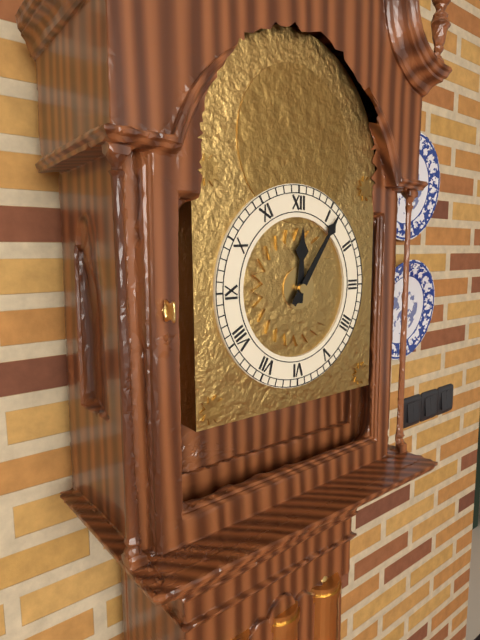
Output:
**12:06**
